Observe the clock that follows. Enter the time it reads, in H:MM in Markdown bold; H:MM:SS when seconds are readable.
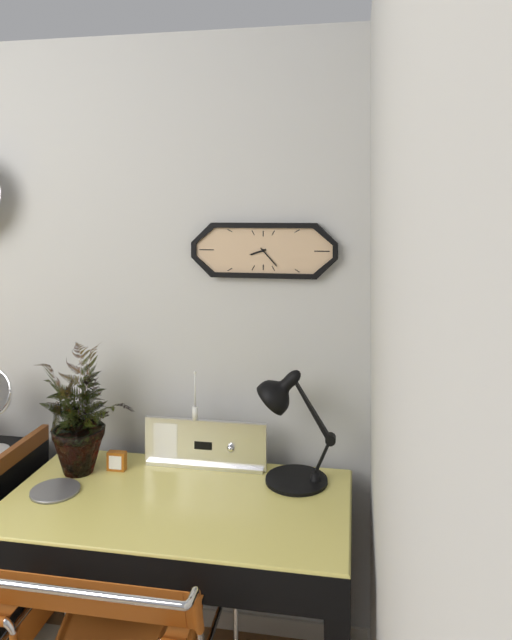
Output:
**8:23**
